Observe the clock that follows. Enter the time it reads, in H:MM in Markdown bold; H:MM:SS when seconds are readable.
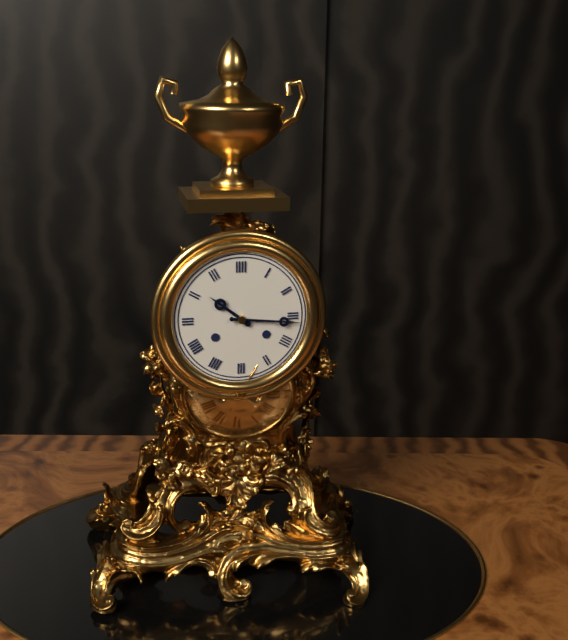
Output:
**10:16**
